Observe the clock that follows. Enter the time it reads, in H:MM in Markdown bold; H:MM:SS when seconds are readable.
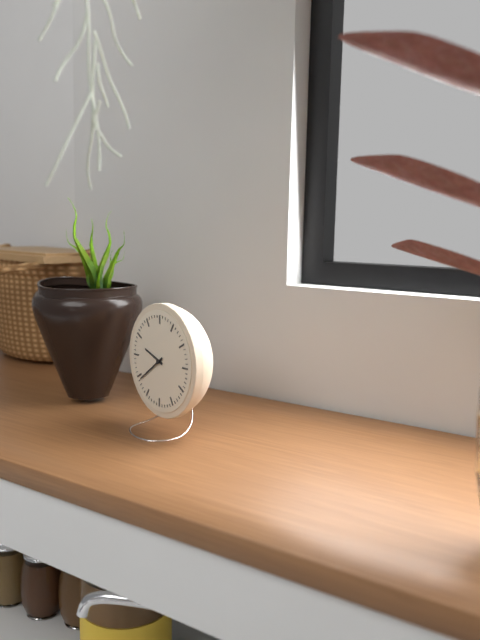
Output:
**9:39**
